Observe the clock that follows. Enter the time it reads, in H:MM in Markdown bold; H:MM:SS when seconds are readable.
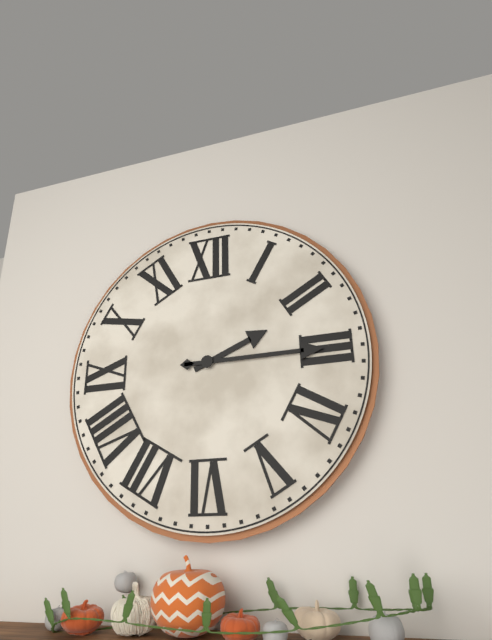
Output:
**2:15**
